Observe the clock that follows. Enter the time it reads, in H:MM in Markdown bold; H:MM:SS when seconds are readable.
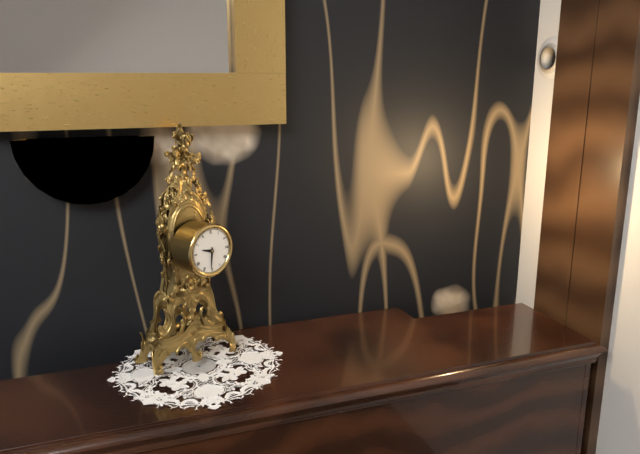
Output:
**9:31**
